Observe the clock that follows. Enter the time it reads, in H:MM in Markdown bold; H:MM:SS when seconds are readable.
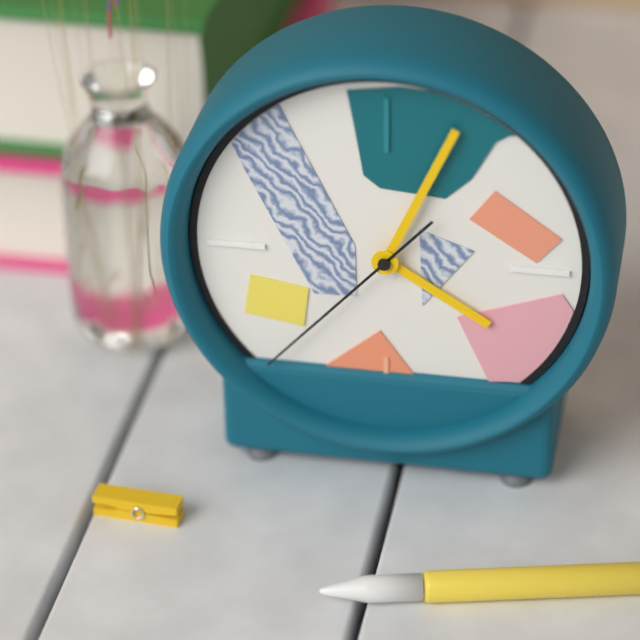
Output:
**4:04:37**
